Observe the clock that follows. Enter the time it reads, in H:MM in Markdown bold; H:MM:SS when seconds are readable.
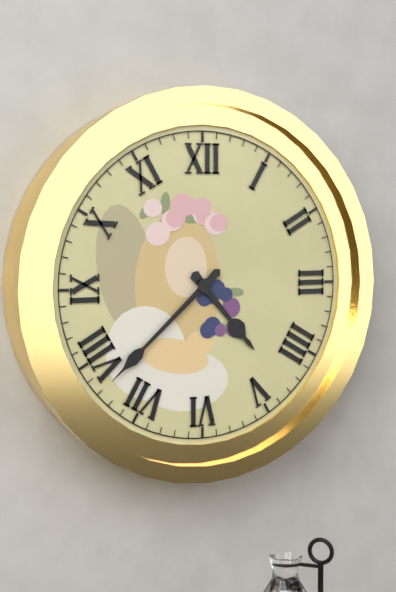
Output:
**4:38**
